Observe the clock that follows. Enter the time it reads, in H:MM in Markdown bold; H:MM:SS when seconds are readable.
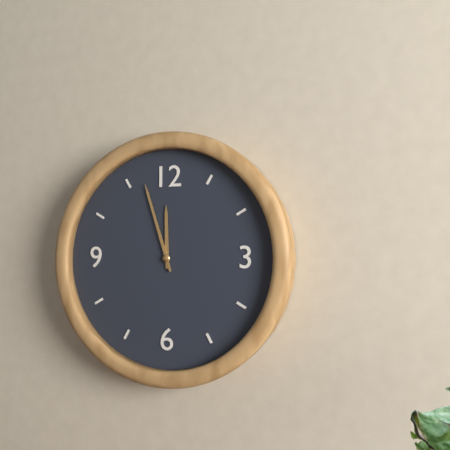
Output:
**11:57**
